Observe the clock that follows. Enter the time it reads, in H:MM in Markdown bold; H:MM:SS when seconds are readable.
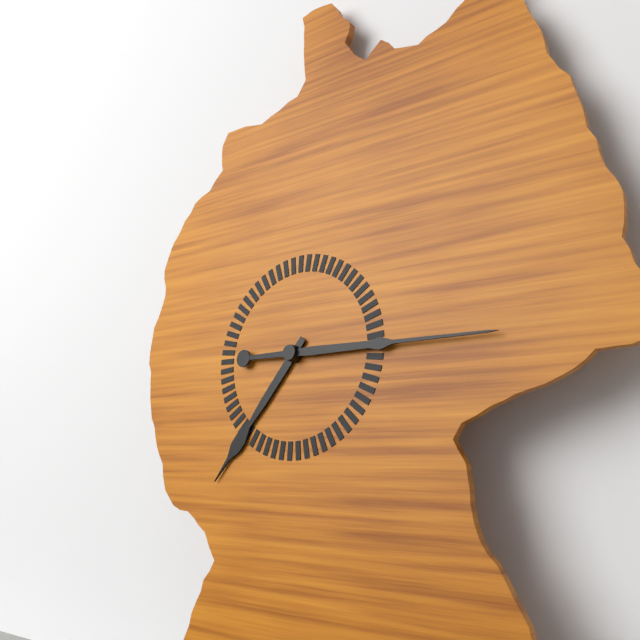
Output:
**7:15**
